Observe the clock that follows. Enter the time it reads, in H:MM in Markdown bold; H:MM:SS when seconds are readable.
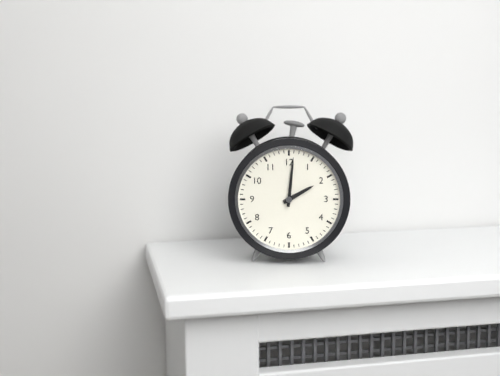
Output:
**2:01**
